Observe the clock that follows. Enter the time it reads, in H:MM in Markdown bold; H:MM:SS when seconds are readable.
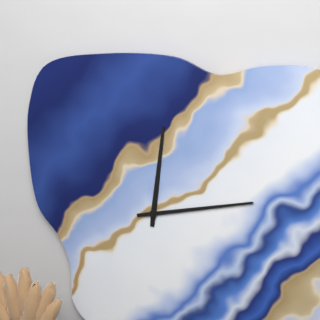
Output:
**12:13**
